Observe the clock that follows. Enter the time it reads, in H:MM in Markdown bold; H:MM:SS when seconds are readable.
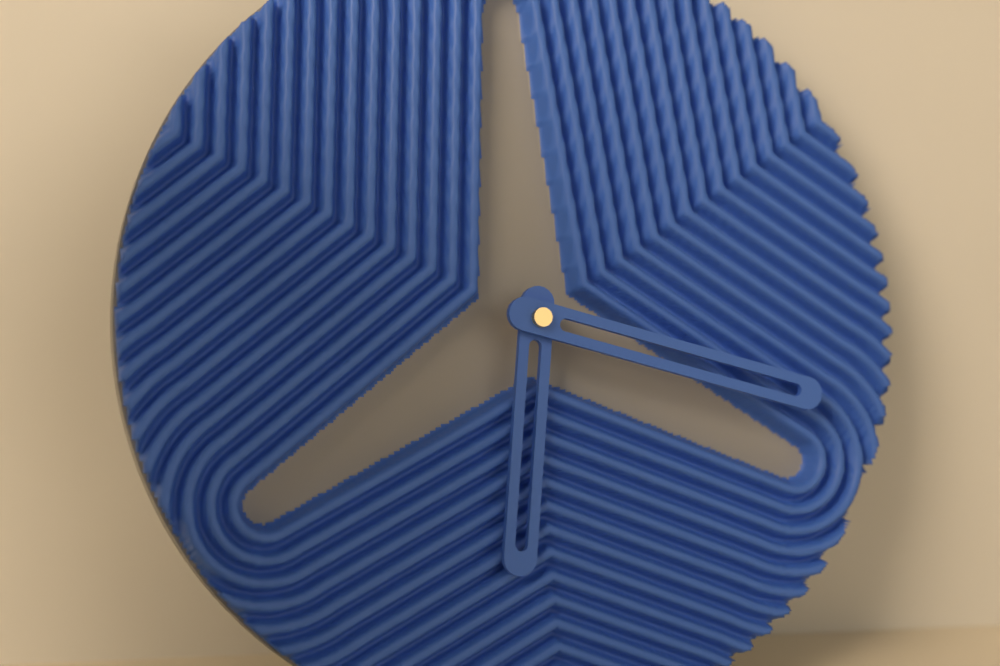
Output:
**6:18**
